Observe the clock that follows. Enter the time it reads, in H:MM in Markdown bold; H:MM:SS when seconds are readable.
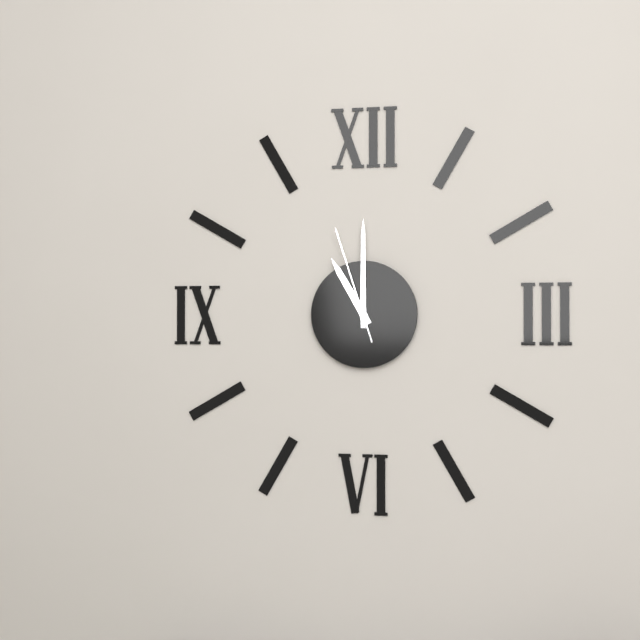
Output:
**11:00:57**
